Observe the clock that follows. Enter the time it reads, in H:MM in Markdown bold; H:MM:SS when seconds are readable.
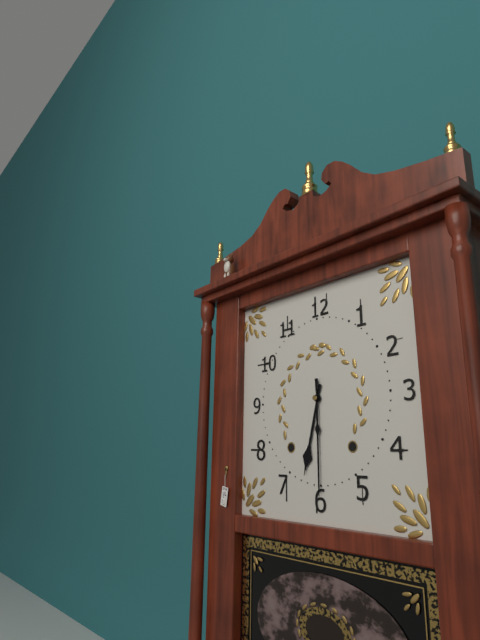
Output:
**6:30**
